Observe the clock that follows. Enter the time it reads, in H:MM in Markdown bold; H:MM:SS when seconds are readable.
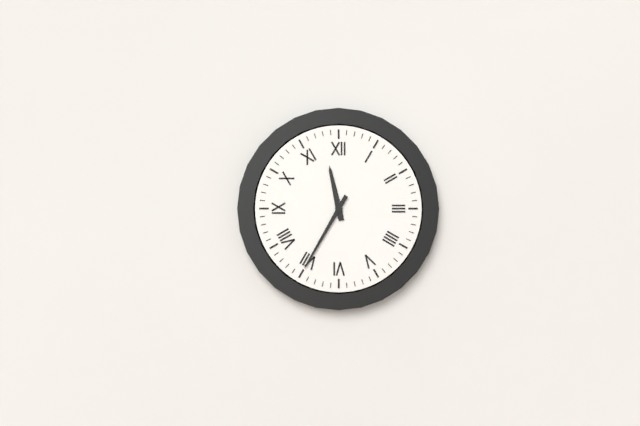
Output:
**11:35**
